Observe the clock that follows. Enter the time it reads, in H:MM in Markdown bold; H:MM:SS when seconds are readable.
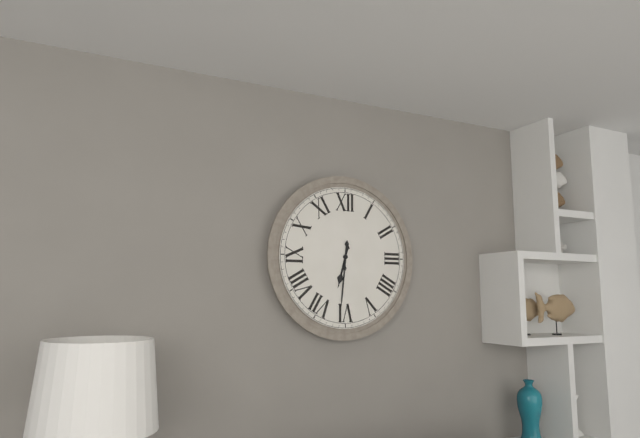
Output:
**6:31**
